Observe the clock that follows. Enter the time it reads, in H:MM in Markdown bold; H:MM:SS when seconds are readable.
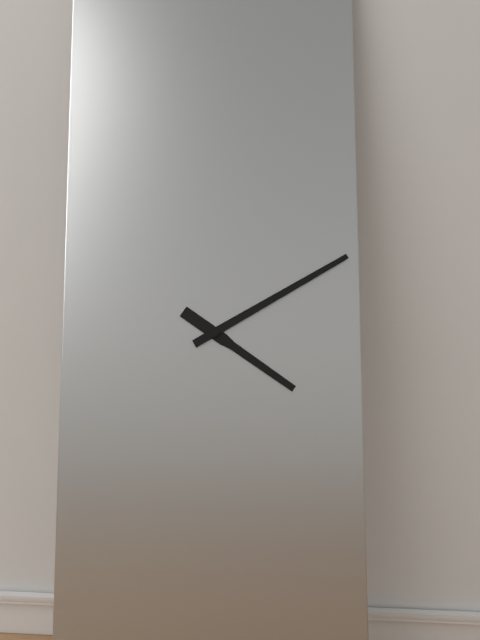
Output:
**4:10**
